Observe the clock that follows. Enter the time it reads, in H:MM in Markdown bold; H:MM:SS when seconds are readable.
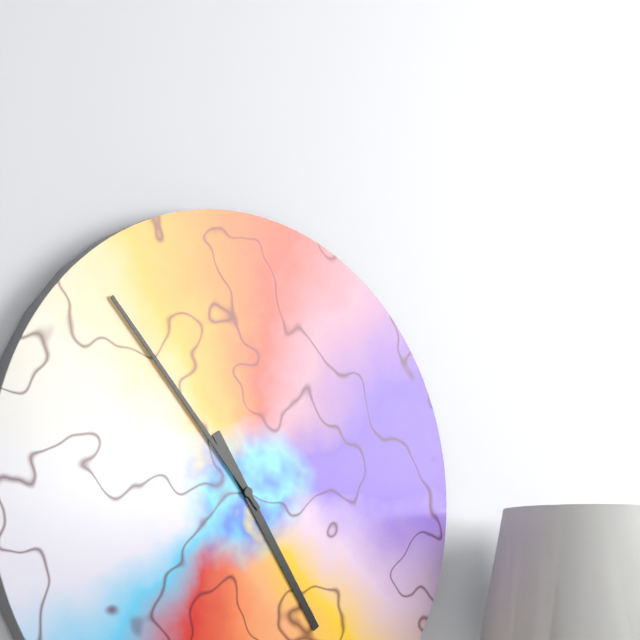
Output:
**4:53**
